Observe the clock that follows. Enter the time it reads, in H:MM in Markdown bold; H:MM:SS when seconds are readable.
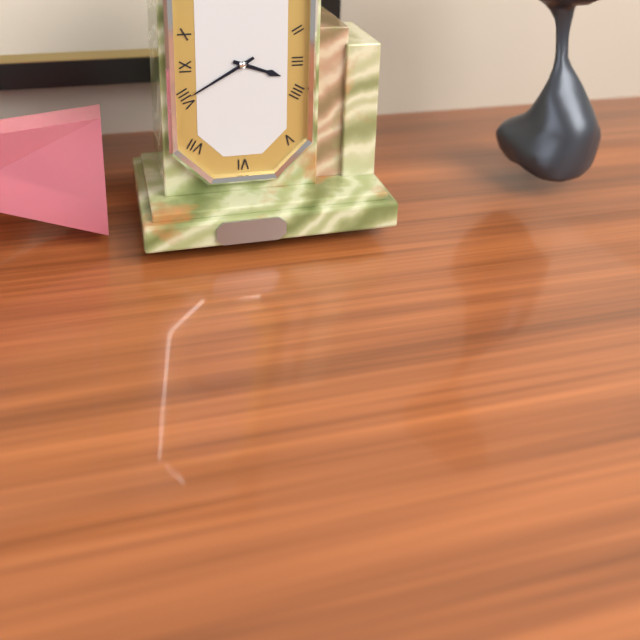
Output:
**3:40**
